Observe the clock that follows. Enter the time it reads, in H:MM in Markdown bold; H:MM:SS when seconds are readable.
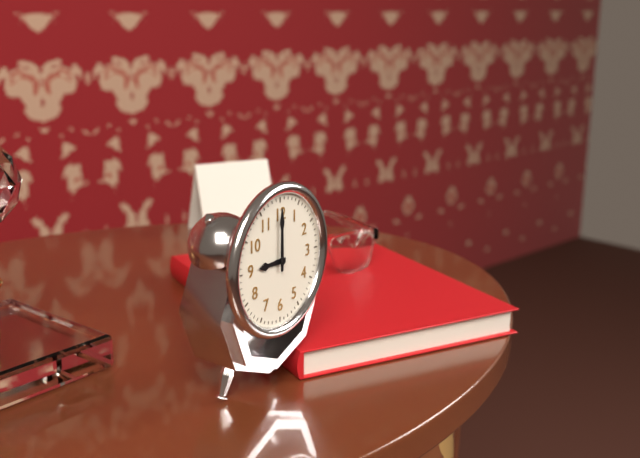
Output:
**9:00**
